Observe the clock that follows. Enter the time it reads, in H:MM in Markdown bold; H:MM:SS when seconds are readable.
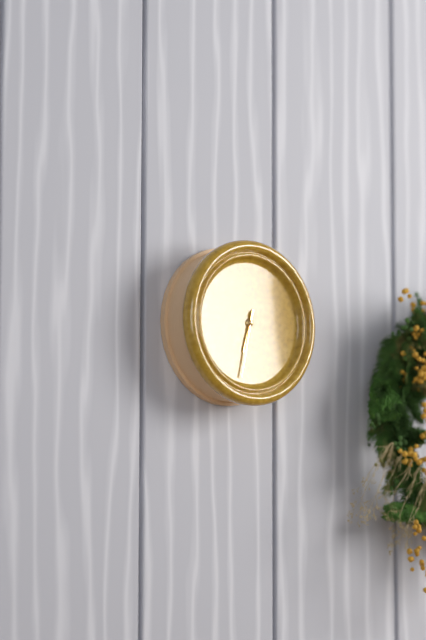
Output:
**6:32**
